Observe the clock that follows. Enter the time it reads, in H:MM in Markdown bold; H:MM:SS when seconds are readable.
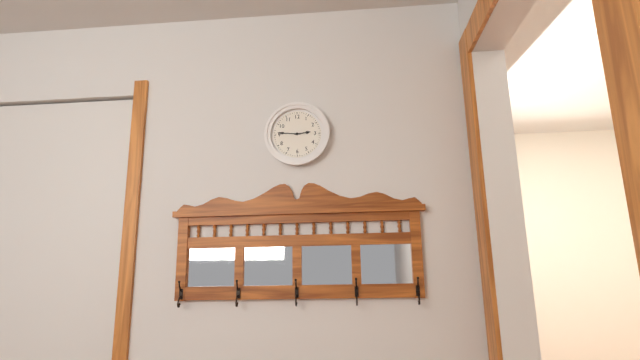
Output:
**2:46**
